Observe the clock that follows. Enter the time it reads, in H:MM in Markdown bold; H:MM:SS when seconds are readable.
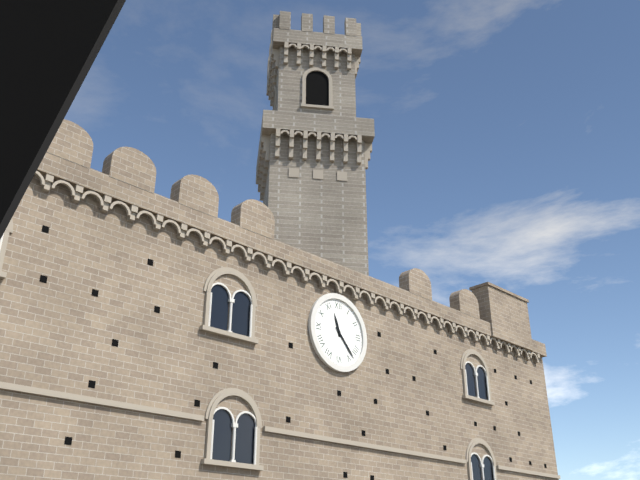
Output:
**11:23**
